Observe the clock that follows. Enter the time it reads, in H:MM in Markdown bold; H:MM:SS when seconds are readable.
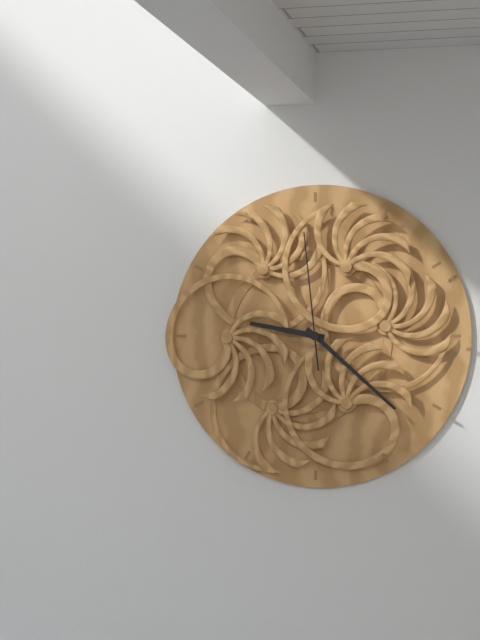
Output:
**9:22:59**
